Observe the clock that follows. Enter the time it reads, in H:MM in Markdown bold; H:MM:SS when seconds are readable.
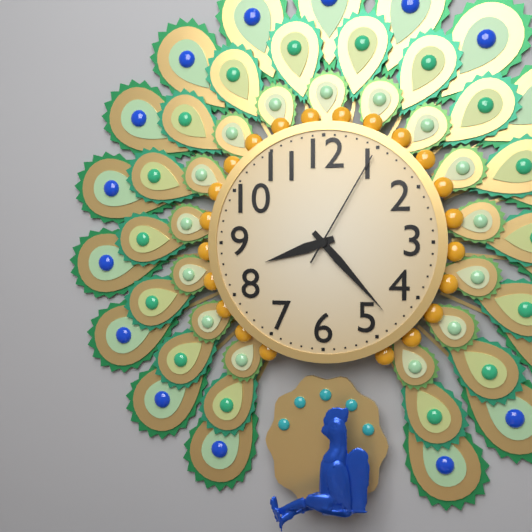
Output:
**8:23:05**
